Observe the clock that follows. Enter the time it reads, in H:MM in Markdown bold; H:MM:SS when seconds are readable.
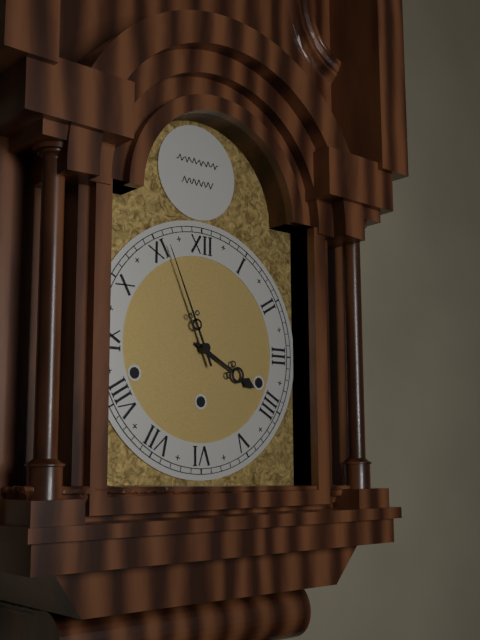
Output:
**3:56**
